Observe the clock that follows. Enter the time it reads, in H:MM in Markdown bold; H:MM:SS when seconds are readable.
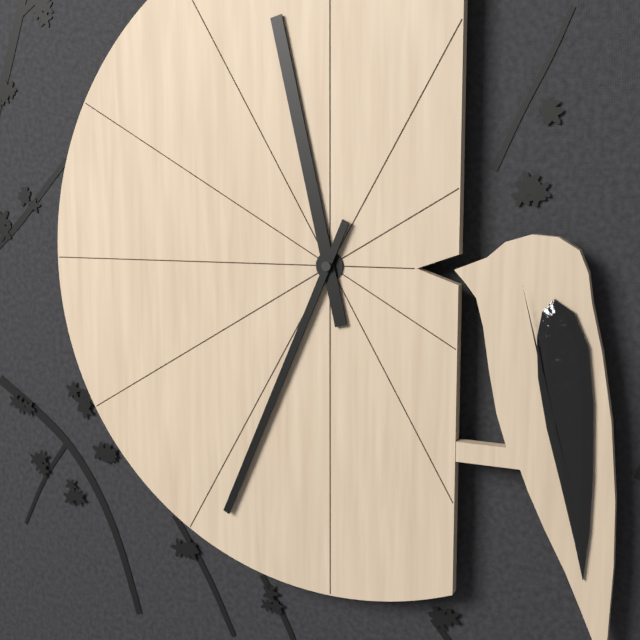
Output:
**11:34**
